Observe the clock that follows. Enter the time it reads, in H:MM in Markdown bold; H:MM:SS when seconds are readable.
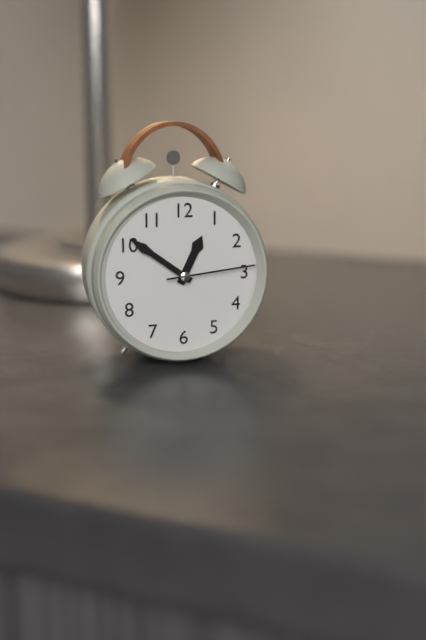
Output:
**12:51:14**
